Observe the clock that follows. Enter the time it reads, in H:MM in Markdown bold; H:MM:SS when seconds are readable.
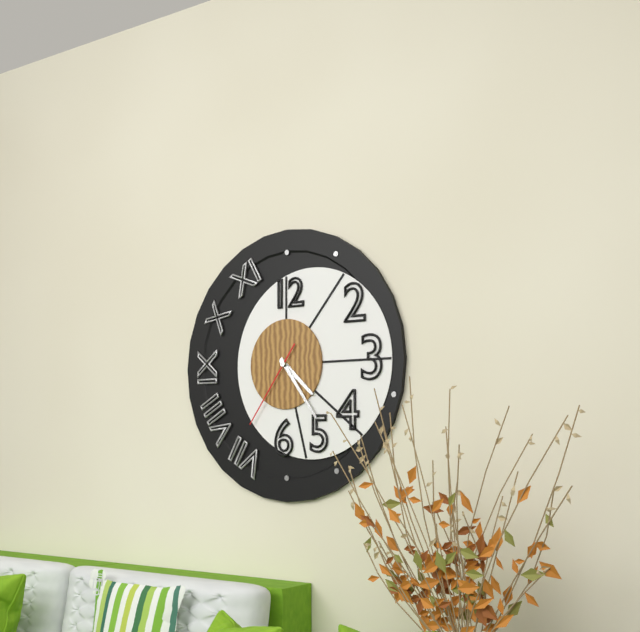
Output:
**4:24:36**
